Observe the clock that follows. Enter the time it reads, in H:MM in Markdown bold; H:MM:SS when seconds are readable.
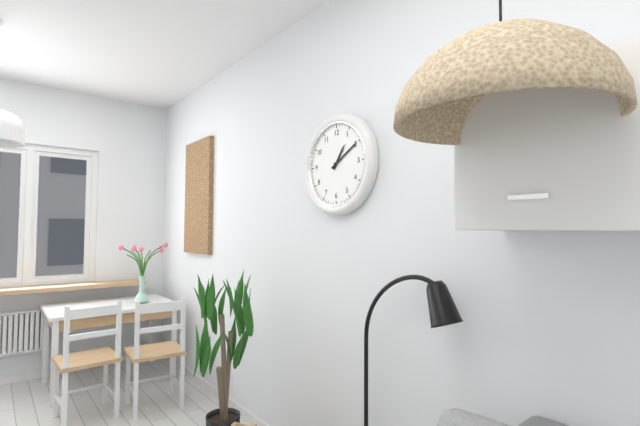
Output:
**1:10**
